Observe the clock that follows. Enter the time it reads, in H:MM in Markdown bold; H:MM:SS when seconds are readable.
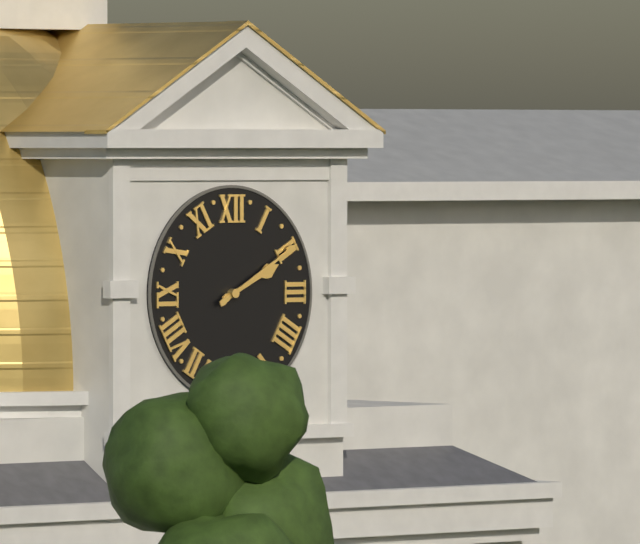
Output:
**2:10**
